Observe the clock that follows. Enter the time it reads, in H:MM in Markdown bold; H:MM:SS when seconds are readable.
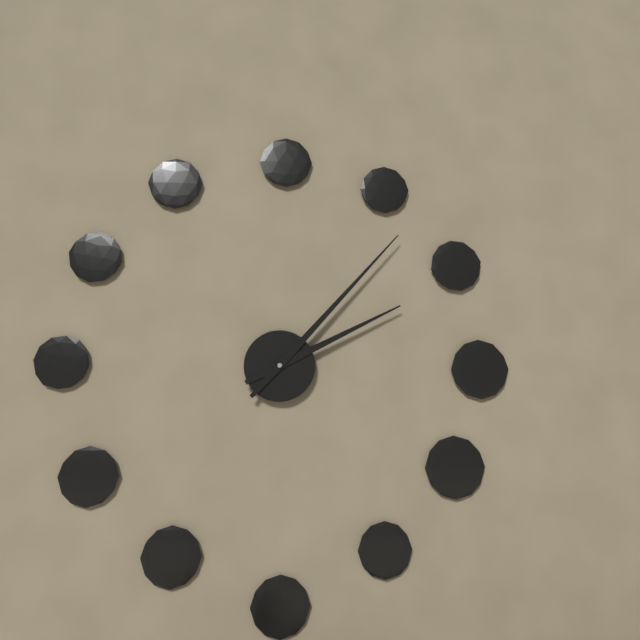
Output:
**2:07**
